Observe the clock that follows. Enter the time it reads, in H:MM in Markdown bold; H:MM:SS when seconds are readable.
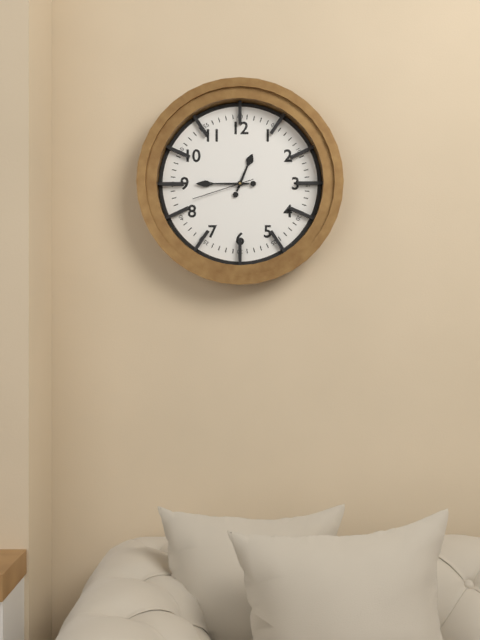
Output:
**12:45:42**
